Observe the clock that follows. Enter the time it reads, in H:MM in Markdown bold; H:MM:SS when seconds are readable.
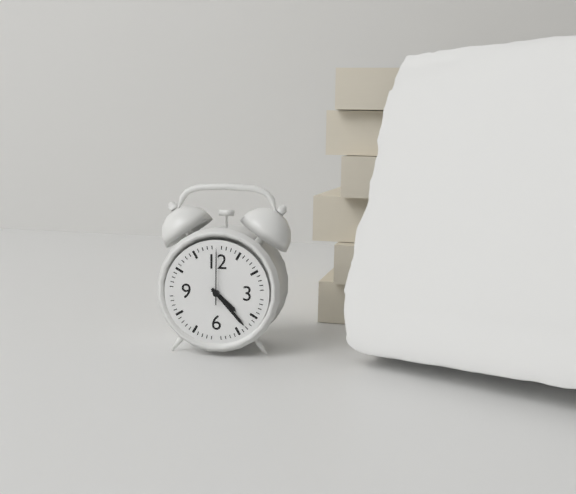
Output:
**4:23:00**
